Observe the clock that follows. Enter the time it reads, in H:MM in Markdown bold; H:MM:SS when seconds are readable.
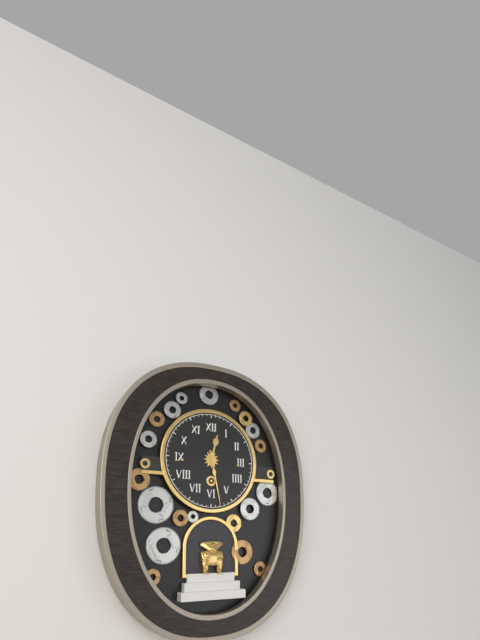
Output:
**12:28**
